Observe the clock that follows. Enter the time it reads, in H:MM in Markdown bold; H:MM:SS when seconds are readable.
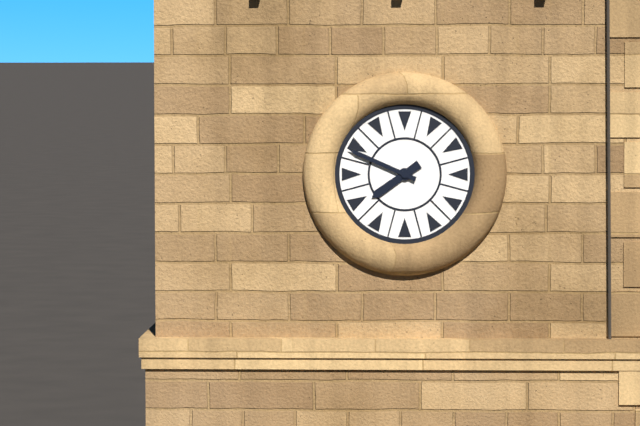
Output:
**7:49**
